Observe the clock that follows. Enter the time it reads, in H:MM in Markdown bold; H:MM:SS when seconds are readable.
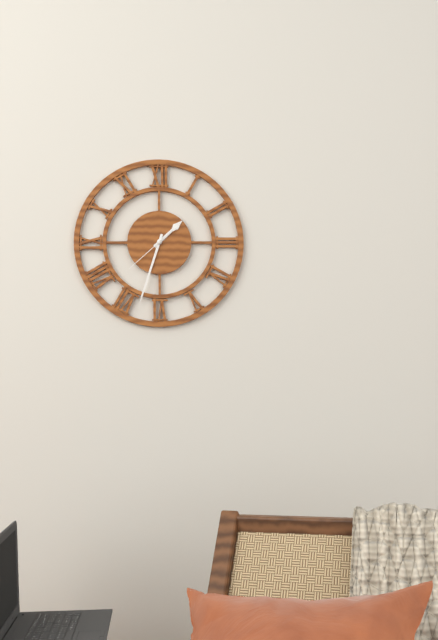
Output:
**1:33**
